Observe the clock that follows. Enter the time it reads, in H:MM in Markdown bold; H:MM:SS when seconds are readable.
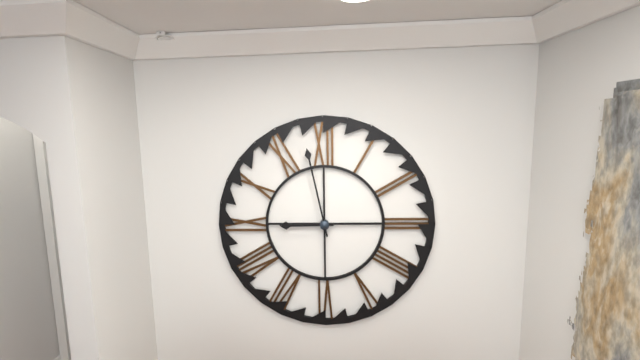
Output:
**8:58**
